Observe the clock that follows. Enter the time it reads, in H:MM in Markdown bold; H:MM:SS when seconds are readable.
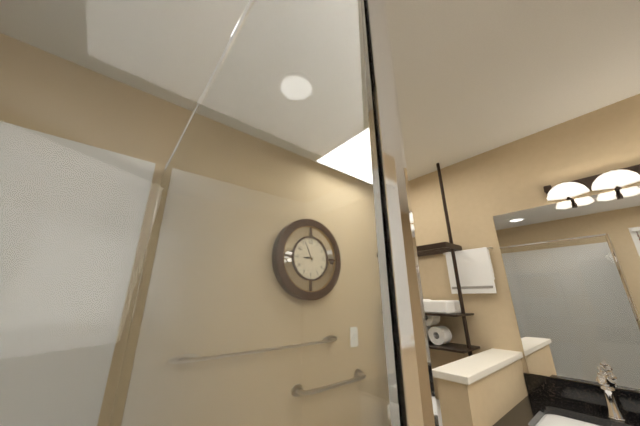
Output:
**8:56**
